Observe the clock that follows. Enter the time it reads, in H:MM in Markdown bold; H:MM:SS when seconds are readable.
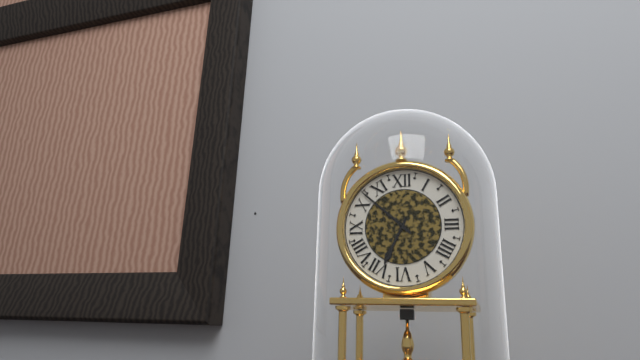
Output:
**6:52**
